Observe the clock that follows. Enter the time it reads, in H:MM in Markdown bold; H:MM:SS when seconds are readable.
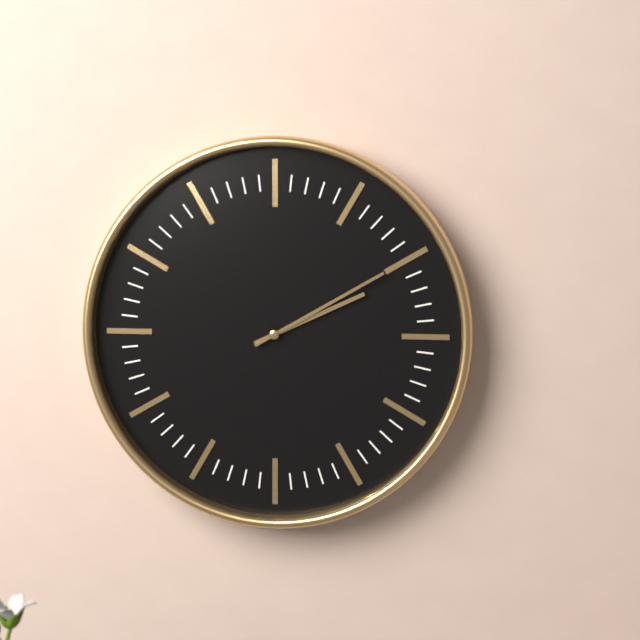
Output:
**2:10**
